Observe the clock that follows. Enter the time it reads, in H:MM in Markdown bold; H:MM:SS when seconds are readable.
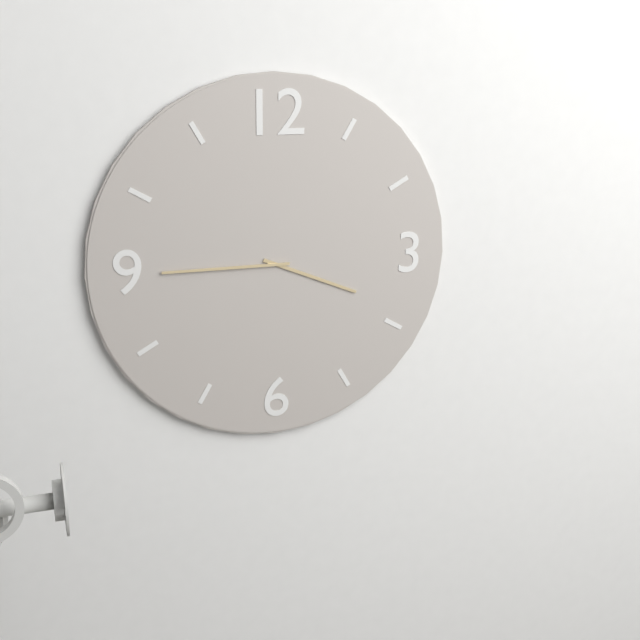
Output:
**3:45**
